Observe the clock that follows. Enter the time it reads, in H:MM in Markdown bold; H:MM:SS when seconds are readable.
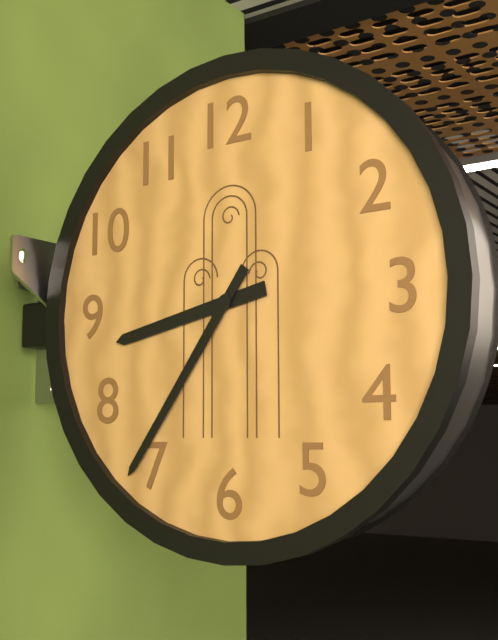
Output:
**8:36**
